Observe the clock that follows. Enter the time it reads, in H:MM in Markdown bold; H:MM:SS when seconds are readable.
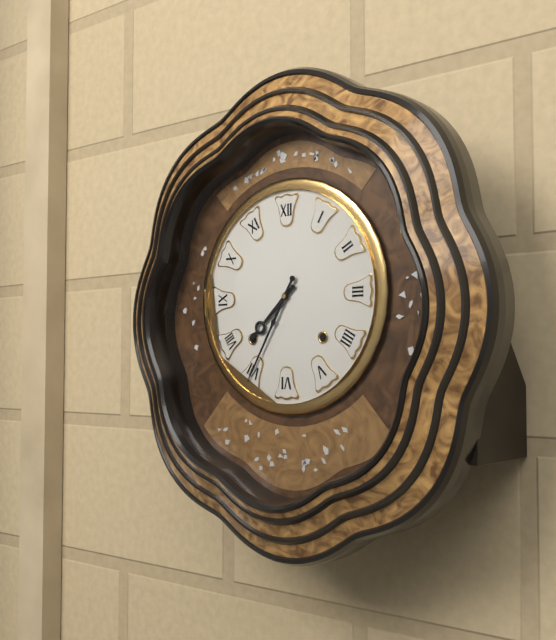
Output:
**7:35**
